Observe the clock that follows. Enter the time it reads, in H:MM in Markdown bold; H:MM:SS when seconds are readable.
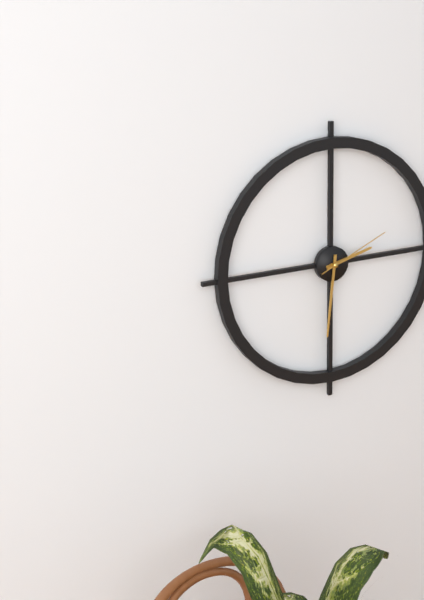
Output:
**2:31:11**
